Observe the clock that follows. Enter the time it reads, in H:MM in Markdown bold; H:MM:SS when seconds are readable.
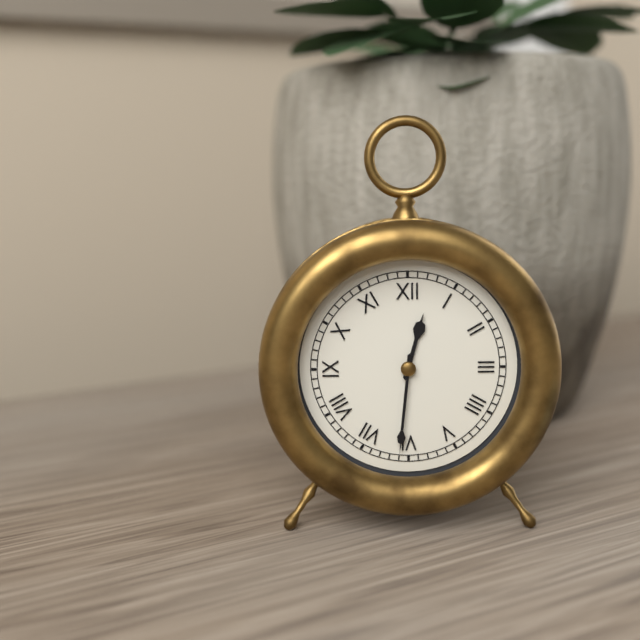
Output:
**12:31**
